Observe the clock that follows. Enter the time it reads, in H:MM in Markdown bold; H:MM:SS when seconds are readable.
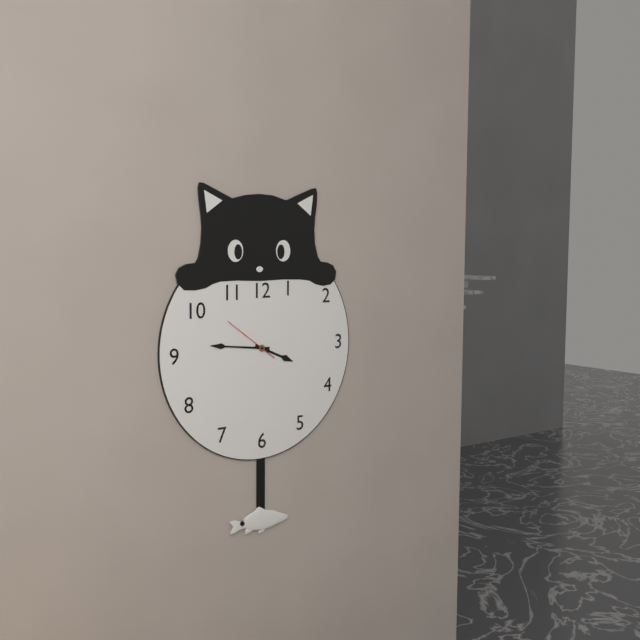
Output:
**3:46:51**
